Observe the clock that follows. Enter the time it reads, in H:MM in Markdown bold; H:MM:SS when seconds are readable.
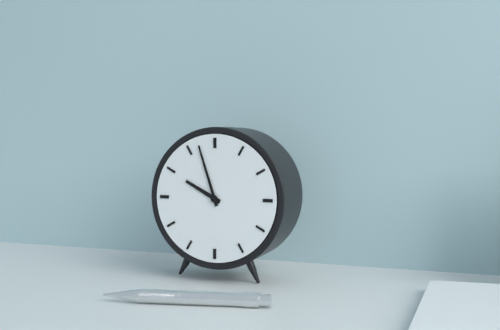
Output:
**9:57**
